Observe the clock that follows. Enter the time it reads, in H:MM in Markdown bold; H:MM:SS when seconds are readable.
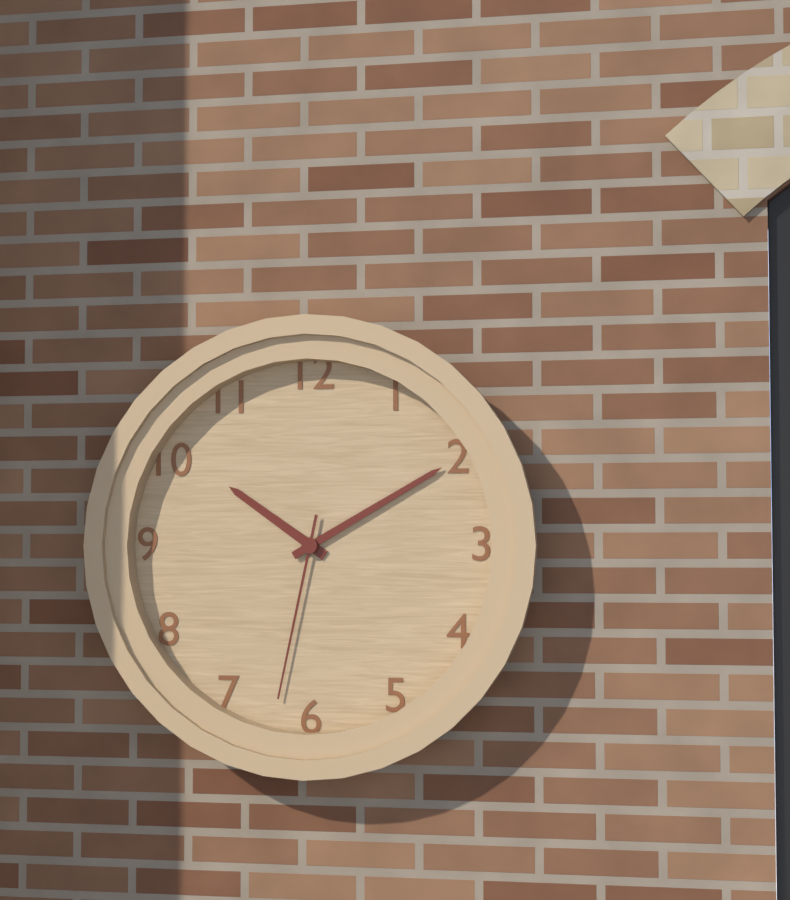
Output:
**10:10:32**
